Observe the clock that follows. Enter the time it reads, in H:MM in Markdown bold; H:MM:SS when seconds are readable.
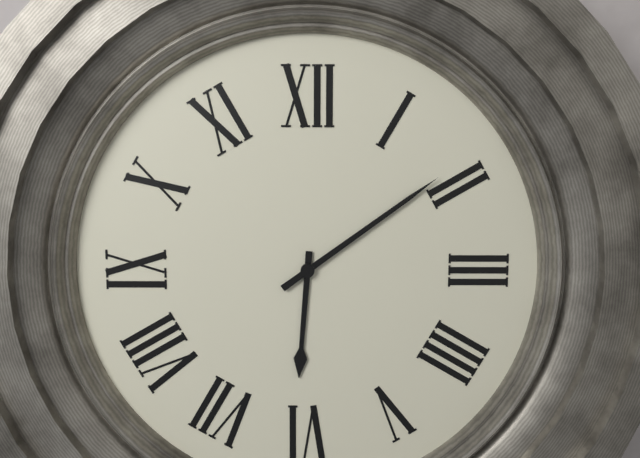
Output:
**6:09**
